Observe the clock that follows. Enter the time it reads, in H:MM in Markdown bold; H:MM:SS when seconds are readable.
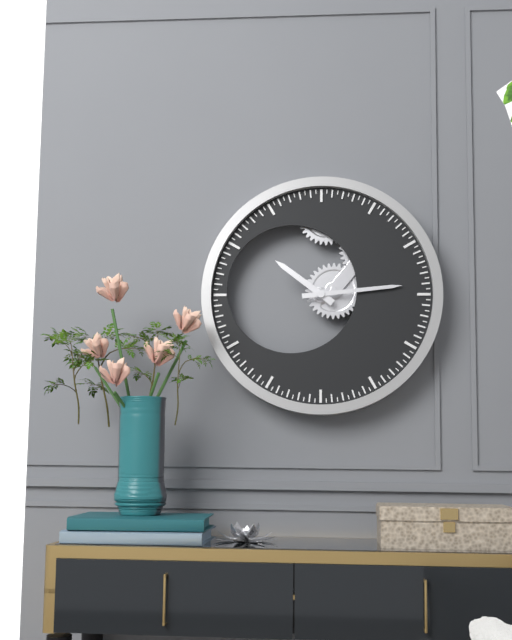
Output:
**10:14**
